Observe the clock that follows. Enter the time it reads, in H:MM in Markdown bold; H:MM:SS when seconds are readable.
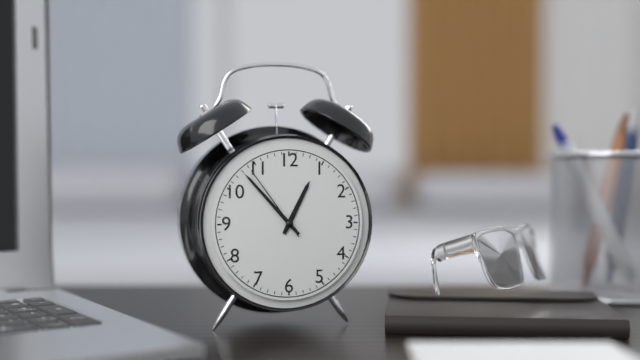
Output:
**12:53:54**
